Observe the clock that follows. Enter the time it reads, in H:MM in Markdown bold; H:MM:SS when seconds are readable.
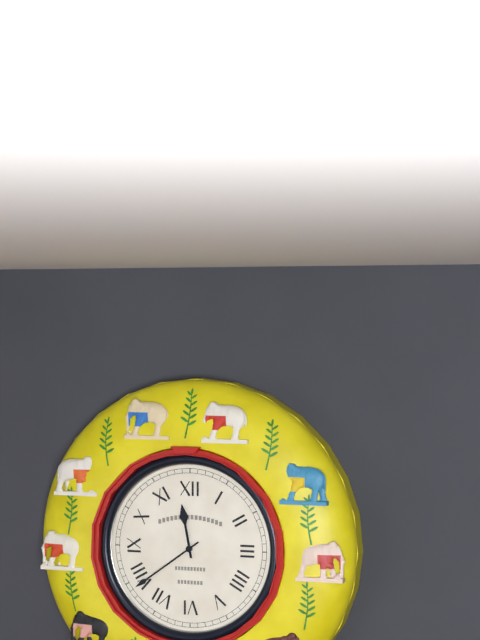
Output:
**11:39**
